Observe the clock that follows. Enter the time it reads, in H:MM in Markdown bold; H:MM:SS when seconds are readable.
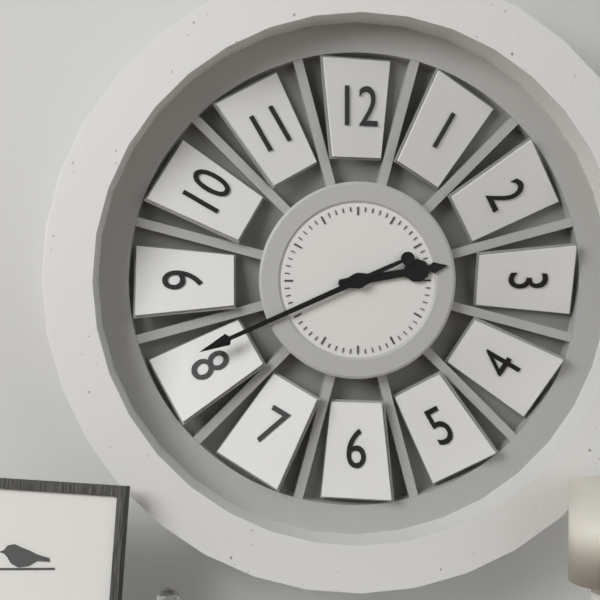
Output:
**2:41**
